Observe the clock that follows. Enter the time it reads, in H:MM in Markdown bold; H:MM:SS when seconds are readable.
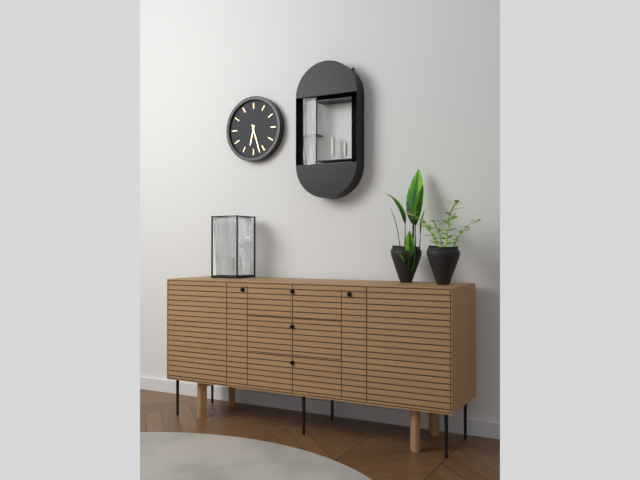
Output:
**6:27**
